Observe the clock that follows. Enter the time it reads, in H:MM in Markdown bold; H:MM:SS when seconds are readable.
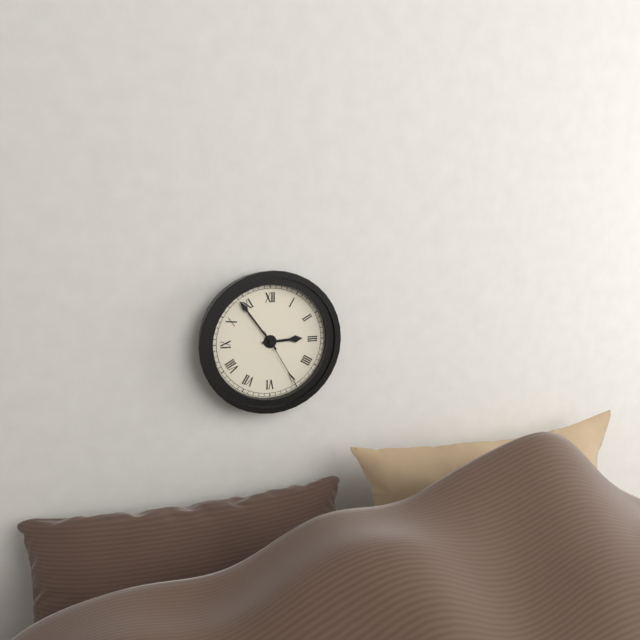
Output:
**2:54:25**
